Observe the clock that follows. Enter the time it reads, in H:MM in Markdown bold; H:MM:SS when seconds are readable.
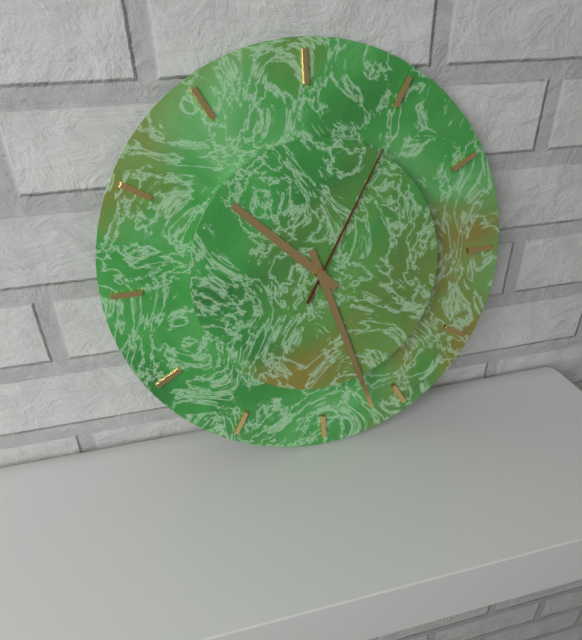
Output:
**10:27:05**
